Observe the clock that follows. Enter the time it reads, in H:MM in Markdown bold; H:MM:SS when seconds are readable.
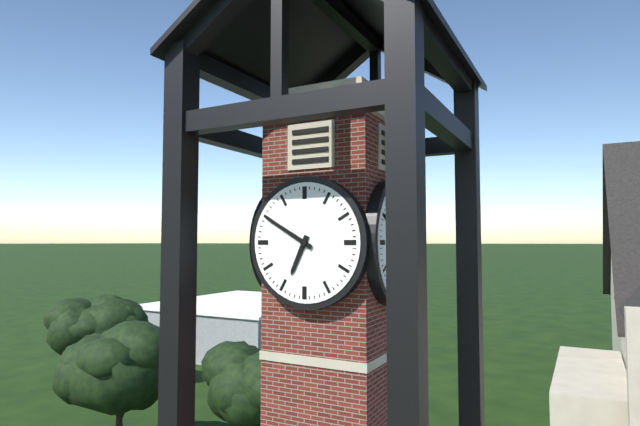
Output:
**6:50**
